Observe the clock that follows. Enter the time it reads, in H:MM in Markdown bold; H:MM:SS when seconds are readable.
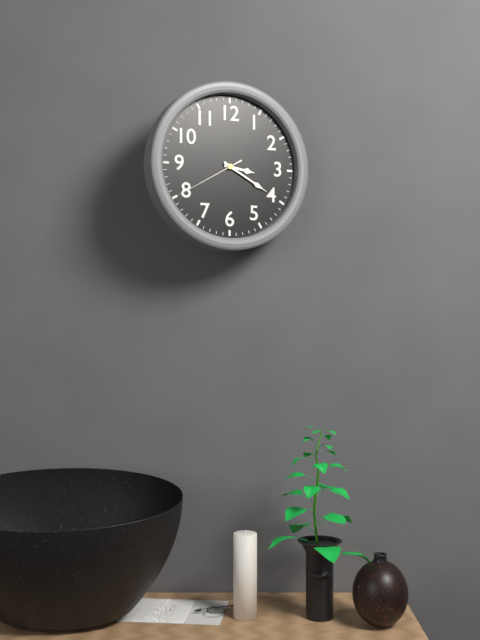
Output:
**3:20:40**
